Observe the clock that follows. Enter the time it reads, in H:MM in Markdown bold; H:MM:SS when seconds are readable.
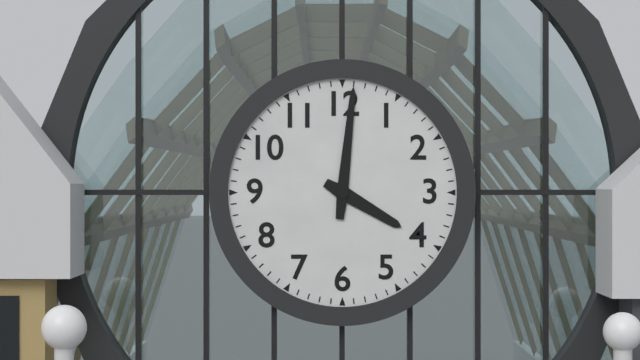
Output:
**4:01**
